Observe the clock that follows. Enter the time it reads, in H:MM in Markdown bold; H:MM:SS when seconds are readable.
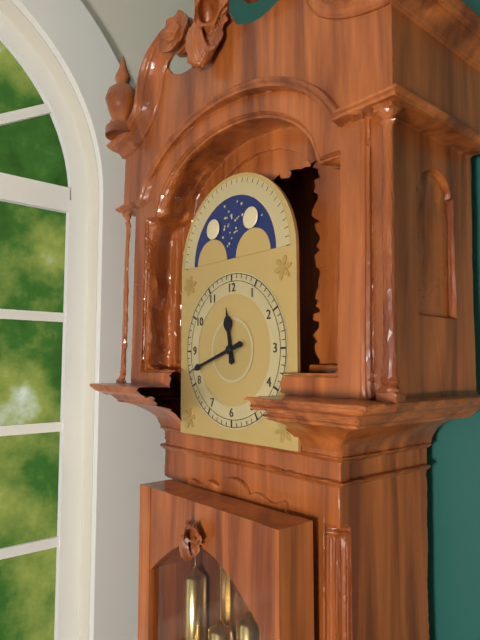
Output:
**11:42**
